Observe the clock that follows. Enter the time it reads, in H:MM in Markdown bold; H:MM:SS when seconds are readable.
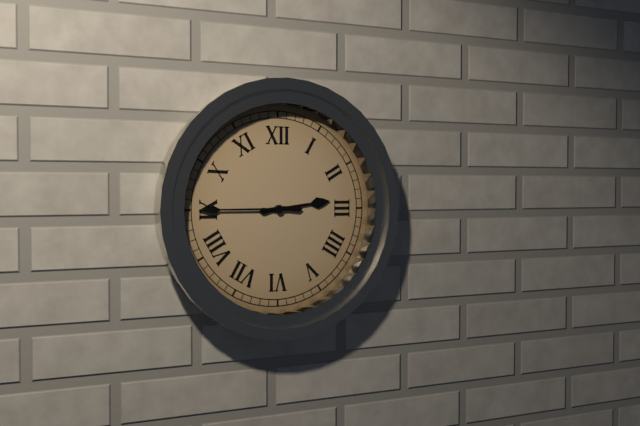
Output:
**2:45**
